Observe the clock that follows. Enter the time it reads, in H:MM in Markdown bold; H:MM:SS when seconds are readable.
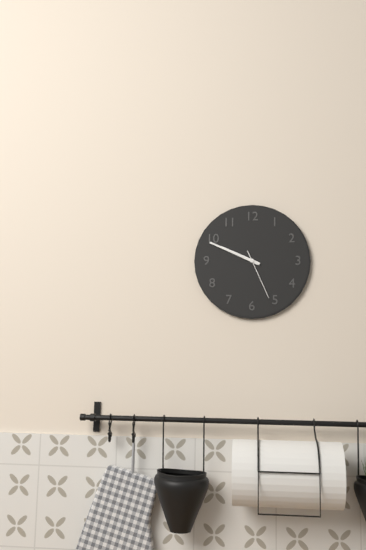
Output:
**9:49:26**
